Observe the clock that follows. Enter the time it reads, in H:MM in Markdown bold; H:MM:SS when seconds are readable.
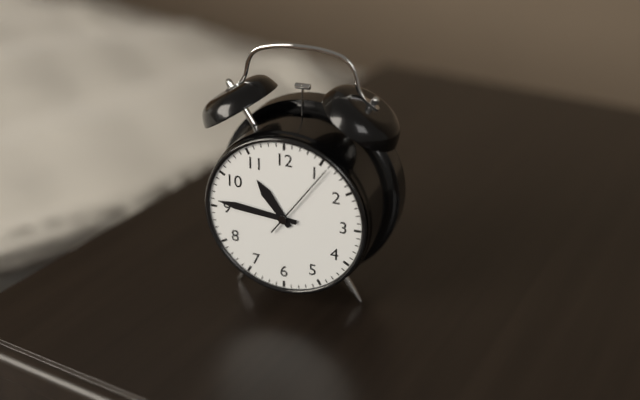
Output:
**10:46:06**
